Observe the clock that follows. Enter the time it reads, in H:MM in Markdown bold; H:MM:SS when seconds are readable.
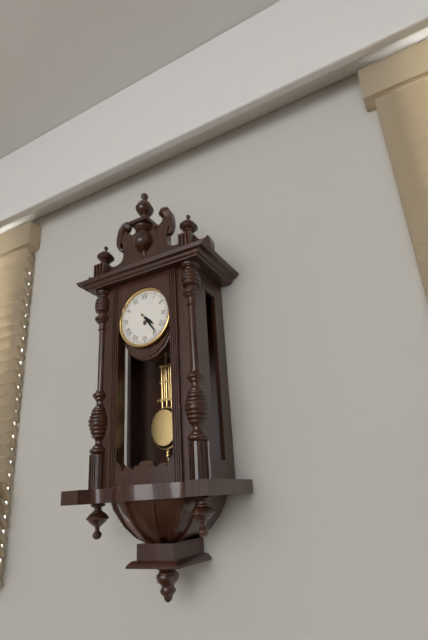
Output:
**4:24**
